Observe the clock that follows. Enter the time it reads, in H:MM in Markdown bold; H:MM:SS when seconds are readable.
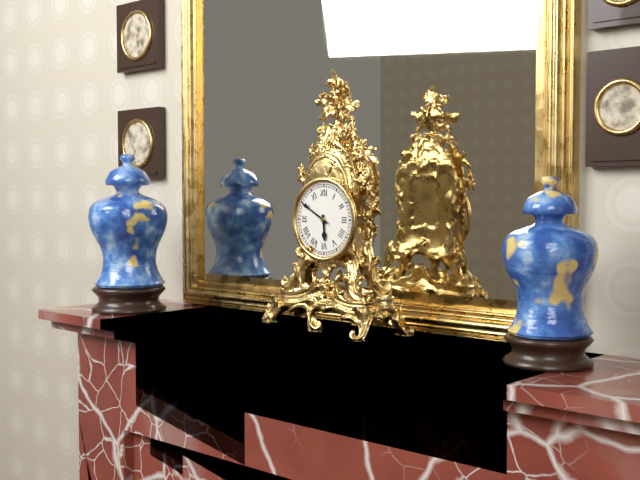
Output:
**5:50**
